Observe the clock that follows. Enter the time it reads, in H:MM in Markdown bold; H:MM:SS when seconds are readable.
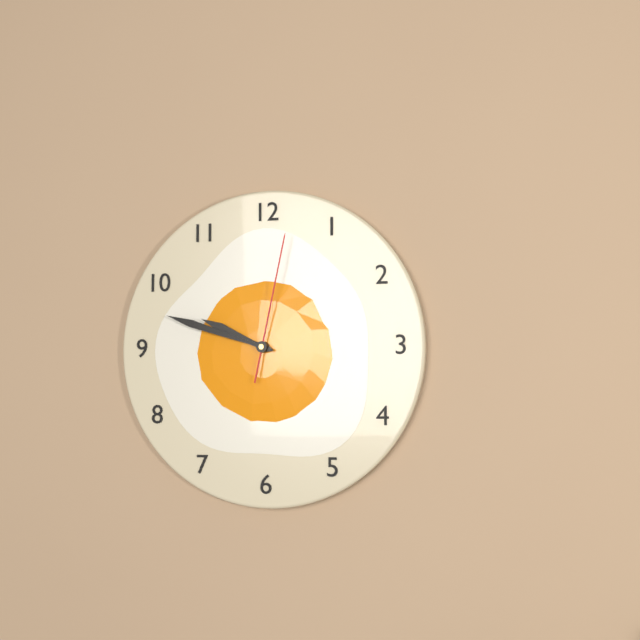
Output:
**9:48:02**
